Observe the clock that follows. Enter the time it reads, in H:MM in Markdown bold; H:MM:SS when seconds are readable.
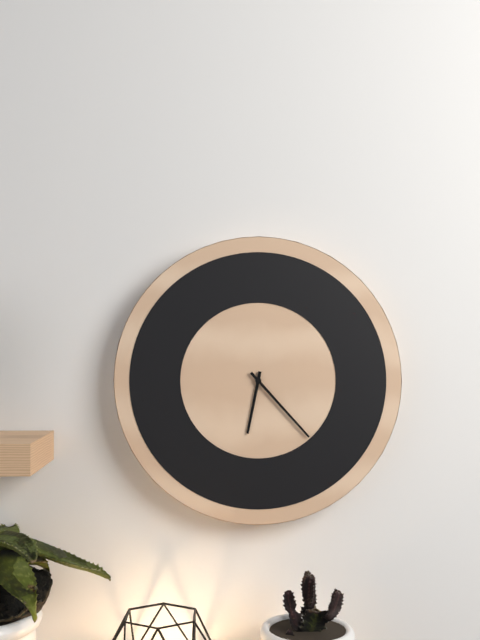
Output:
**6:23**
